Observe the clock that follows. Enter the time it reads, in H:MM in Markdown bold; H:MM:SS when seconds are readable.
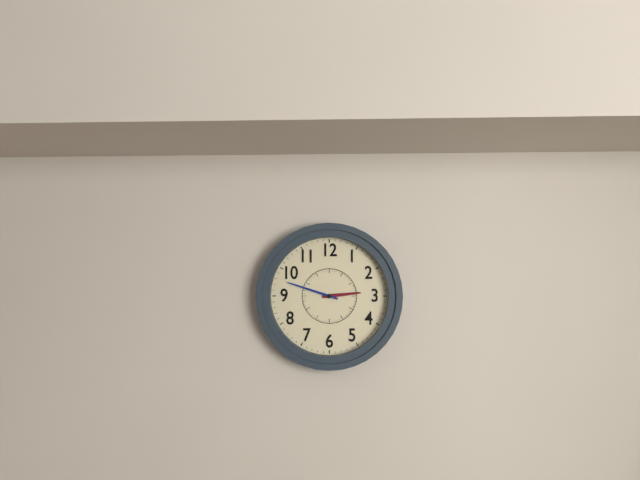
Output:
**2:48**
